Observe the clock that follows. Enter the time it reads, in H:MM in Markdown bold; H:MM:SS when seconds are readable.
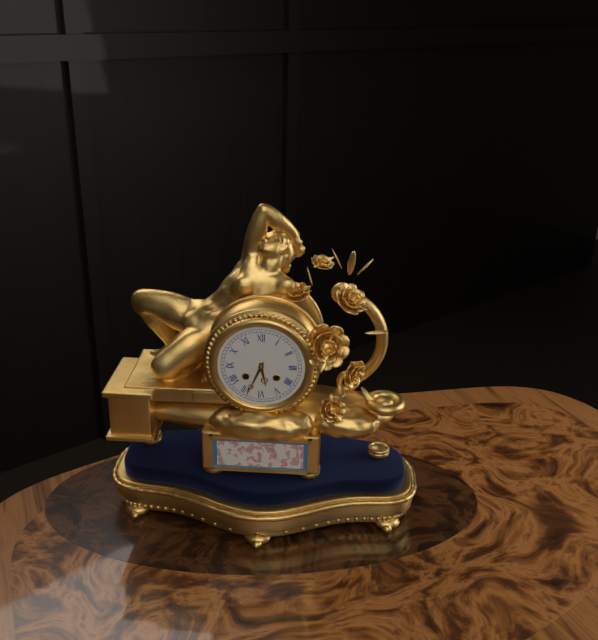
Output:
**5:34**
